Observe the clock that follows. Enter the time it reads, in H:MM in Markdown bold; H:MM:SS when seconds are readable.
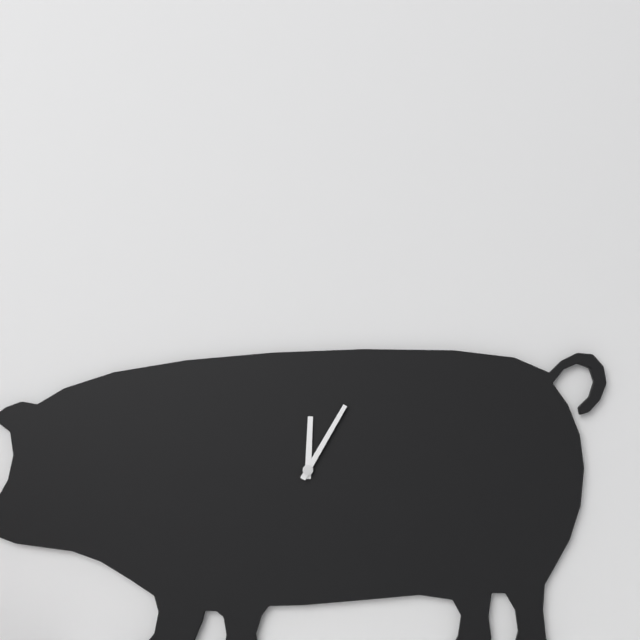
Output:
**12:05**
